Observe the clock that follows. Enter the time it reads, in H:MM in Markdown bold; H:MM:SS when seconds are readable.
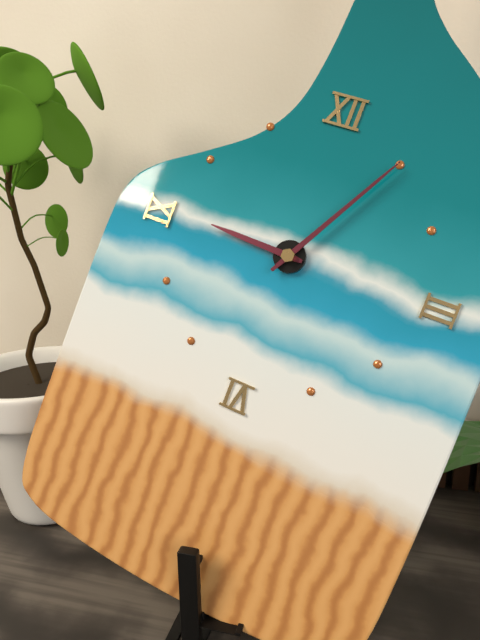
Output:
**9:05**
